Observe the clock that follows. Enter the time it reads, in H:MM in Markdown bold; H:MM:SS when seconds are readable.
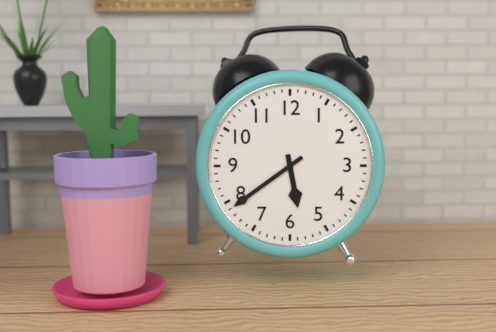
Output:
**5:39**
